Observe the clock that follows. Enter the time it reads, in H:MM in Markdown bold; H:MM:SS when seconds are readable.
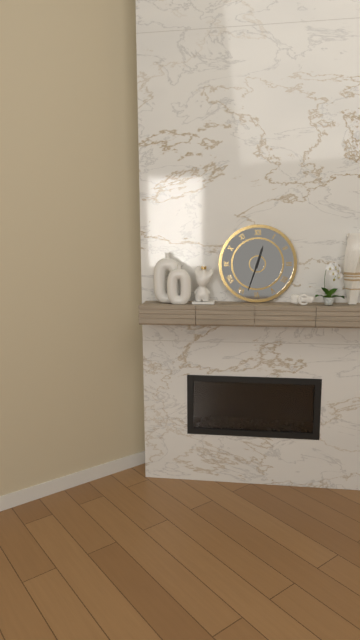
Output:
**12:33**
